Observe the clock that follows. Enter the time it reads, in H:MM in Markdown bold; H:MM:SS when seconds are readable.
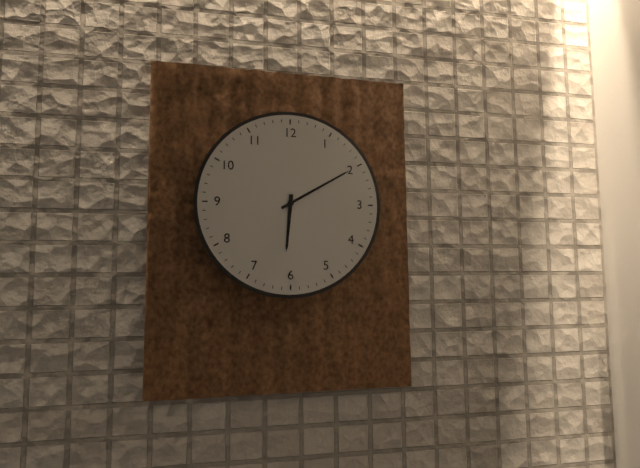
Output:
**6:10**
